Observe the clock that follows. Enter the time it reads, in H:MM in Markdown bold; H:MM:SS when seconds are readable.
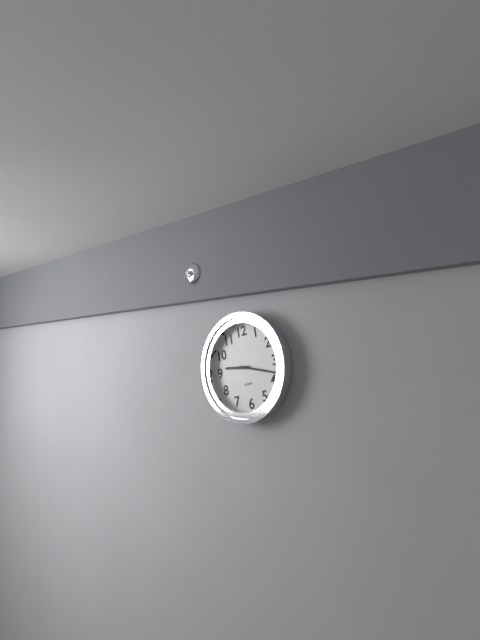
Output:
**9:18**
